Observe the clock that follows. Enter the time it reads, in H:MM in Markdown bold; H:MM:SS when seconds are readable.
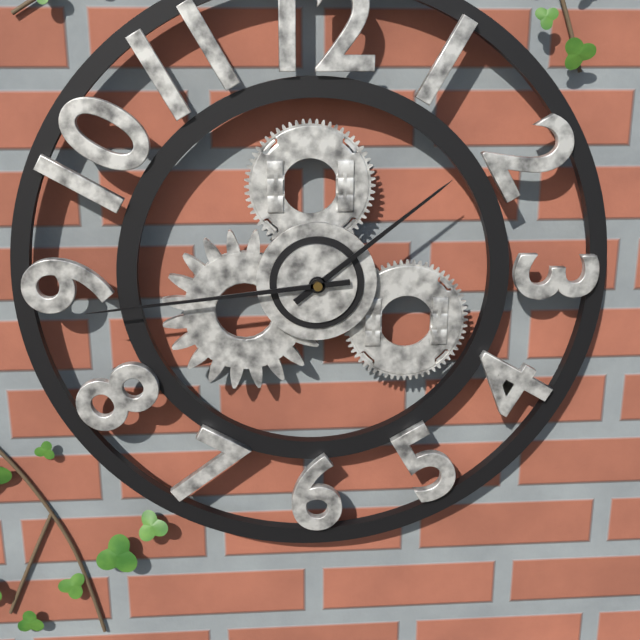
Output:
**1:44**
